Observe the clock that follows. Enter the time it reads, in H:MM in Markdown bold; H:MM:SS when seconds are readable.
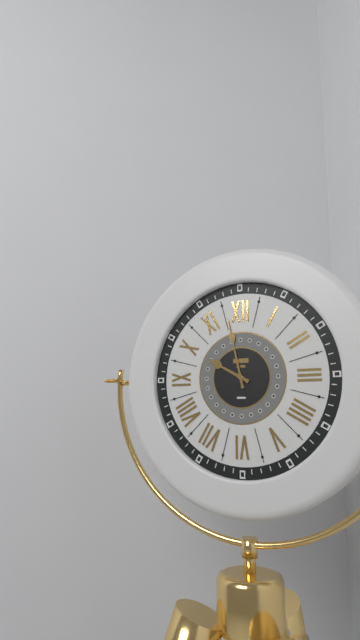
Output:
**9:58**
